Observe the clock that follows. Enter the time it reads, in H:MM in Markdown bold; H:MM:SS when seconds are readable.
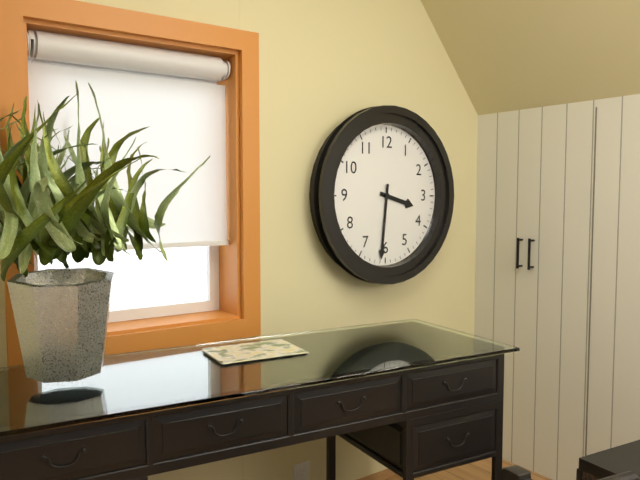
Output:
**3:31**
